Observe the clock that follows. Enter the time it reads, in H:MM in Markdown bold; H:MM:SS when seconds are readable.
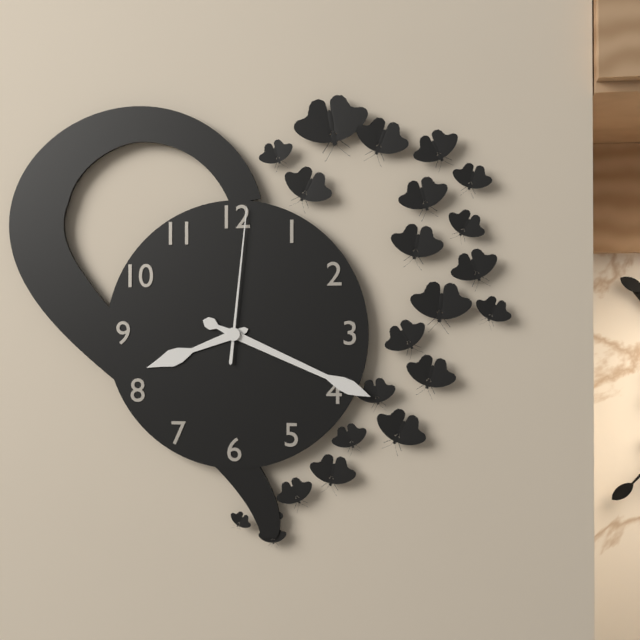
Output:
**8:19:01**
